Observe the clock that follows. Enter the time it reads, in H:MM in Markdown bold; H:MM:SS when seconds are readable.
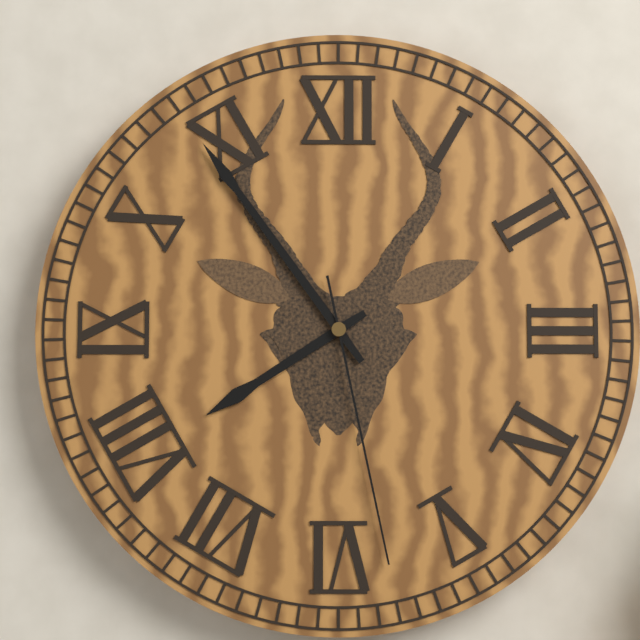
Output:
**7:54:28**
